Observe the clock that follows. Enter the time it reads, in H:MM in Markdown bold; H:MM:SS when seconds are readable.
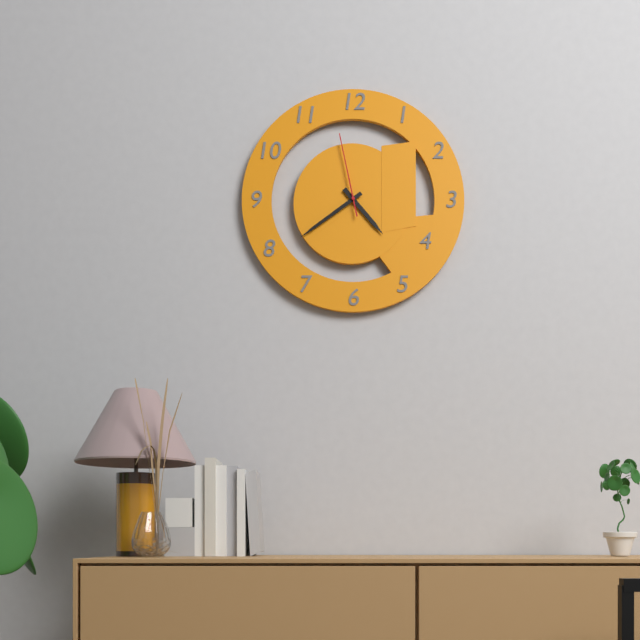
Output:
**4:39:58**
